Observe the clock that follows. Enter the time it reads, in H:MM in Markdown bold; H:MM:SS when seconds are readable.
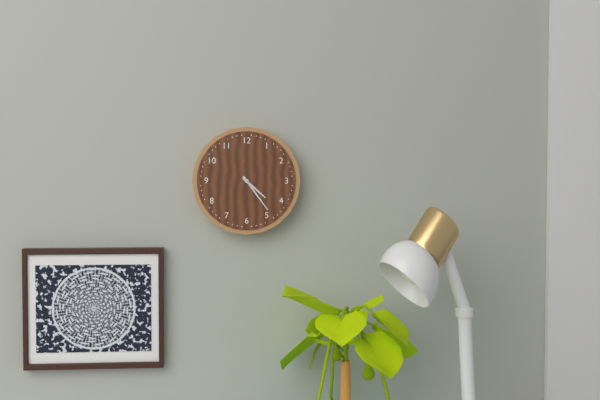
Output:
**4:24**
